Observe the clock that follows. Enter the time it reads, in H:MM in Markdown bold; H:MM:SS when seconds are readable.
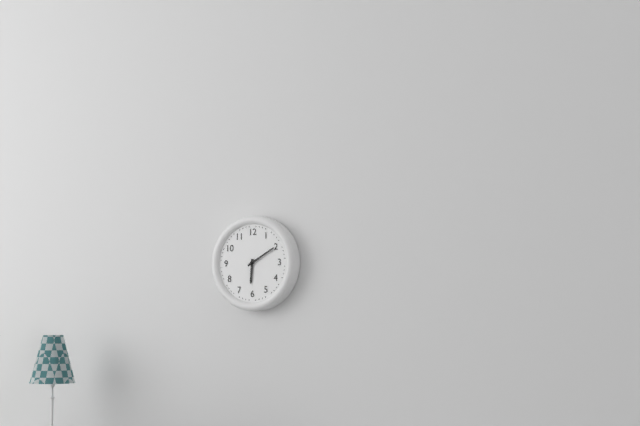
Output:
**6:10**
